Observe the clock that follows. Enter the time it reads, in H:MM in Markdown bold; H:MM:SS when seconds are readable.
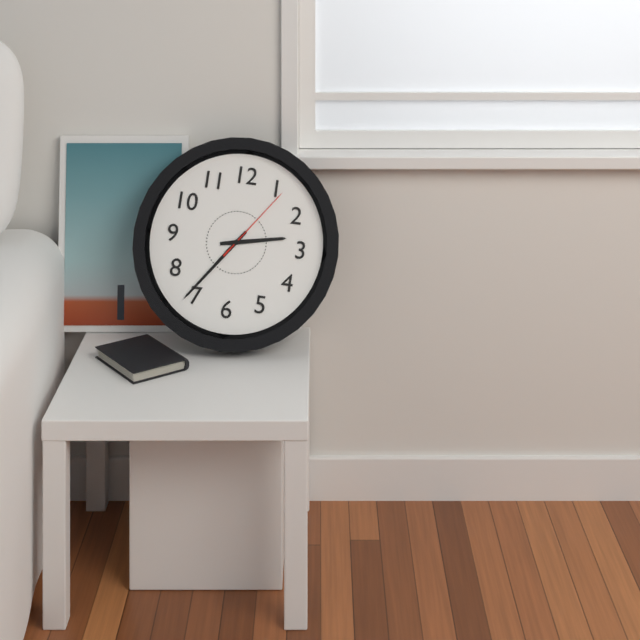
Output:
**2:36:06**
